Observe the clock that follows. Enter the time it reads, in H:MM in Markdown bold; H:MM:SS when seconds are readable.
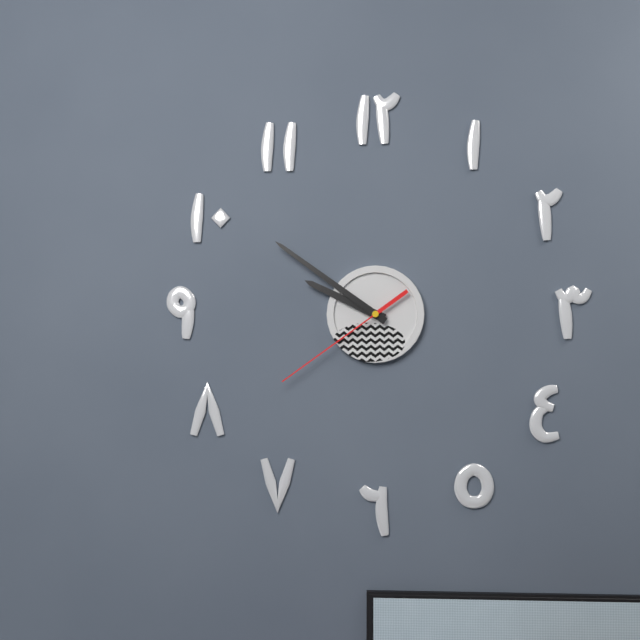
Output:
**9:51:39**
